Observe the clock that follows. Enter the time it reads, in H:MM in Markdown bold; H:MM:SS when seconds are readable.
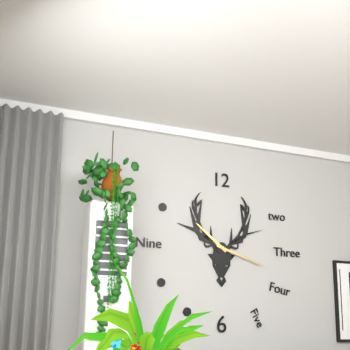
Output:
**10:18**
